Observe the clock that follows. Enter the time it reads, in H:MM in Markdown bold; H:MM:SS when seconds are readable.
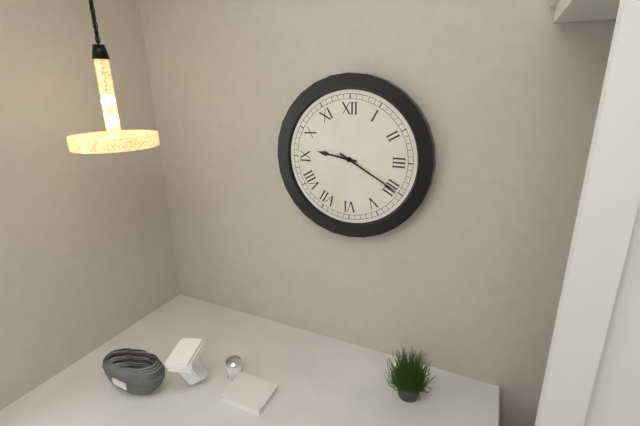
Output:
**9:20**
